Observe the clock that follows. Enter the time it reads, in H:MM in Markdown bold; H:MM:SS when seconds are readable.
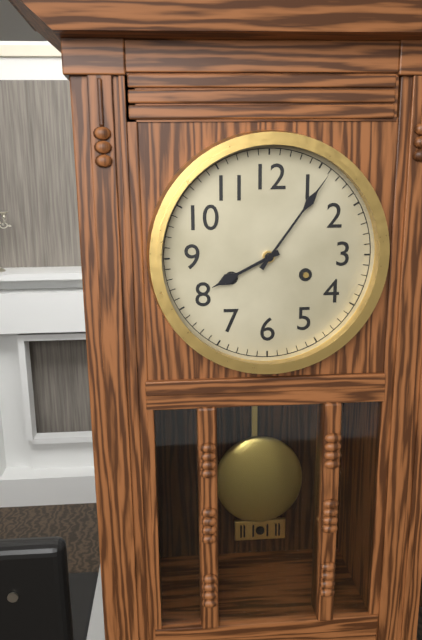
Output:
**8:06**
